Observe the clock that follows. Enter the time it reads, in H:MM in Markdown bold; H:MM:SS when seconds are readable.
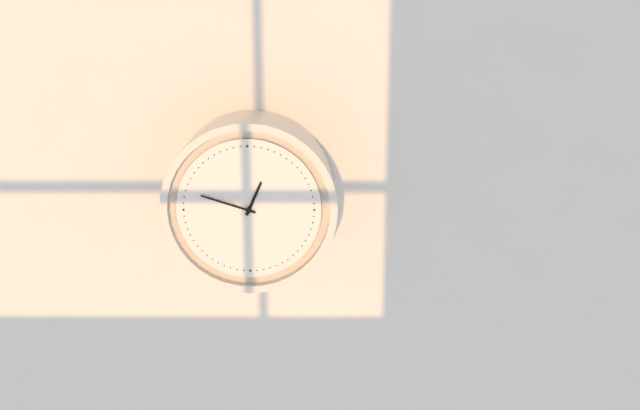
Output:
**12:48**
